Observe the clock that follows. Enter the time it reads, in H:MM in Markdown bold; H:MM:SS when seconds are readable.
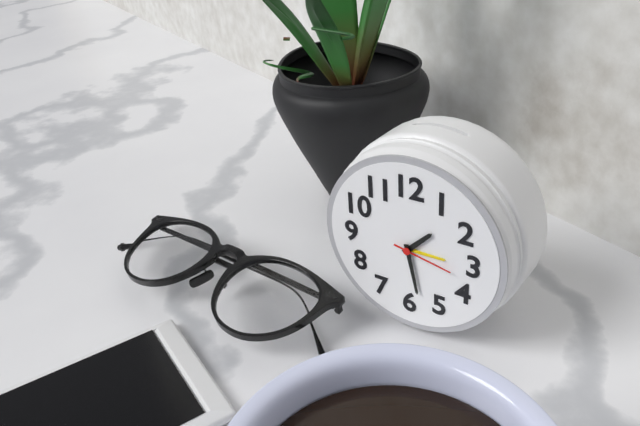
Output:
**1:28:17**
